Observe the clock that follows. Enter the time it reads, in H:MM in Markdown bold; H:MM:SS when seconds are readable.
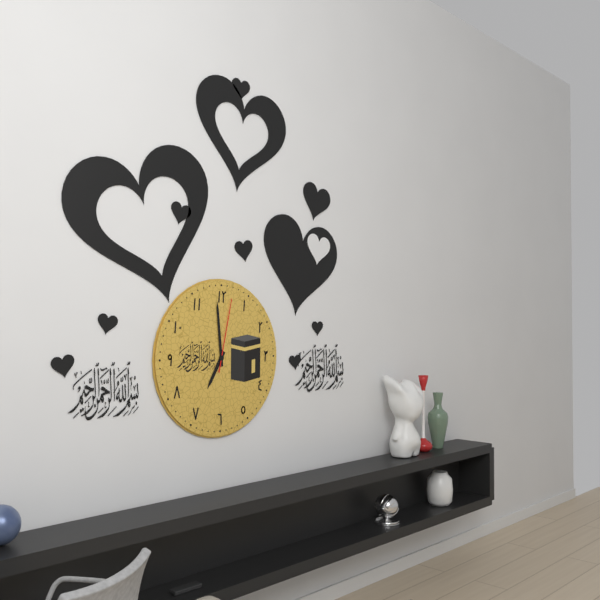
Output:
**6:59:02**
